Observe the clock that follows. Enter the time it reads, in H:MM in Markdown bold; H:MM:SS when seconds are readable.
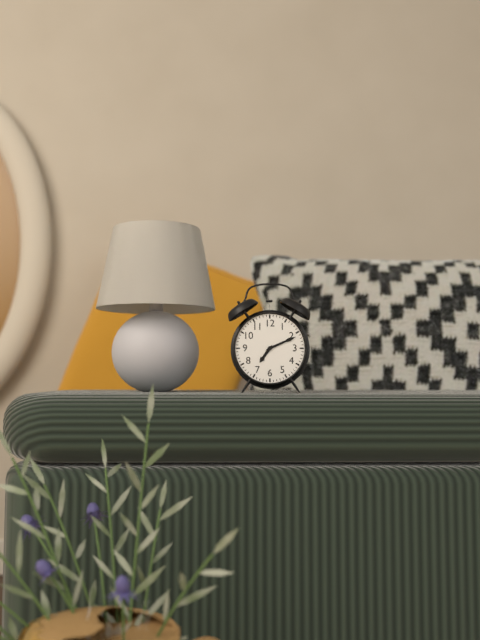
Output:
**7:11**
